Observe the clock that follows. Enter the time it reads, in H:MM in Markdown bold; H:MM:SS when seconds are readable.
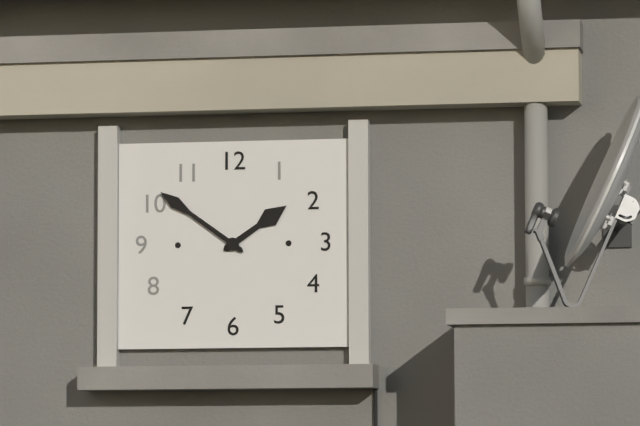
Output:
**1:51**
